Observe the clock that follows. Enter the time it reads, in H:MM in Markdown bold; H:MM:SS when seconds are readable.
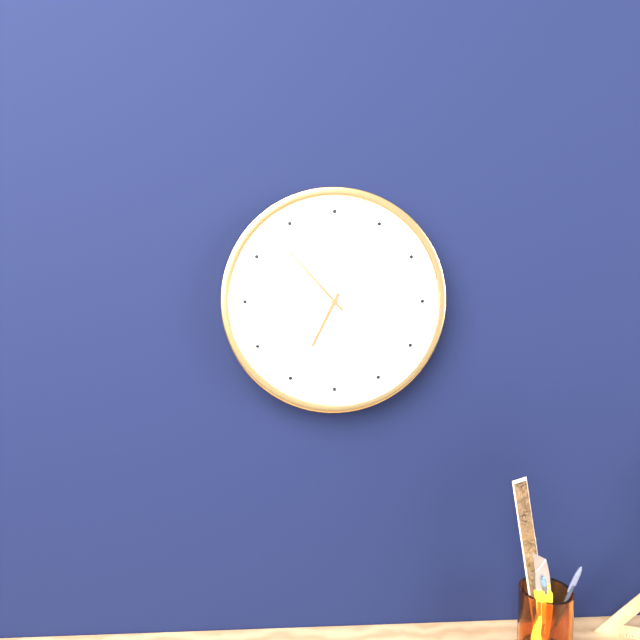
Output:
**6:53**
